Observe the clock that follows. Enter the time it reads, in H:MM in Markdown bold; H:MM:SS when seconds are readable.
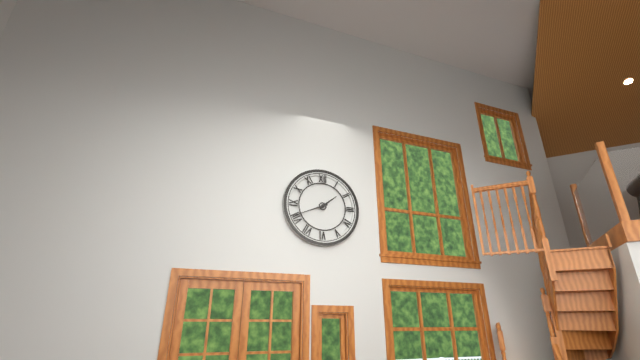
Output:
**1:41**
